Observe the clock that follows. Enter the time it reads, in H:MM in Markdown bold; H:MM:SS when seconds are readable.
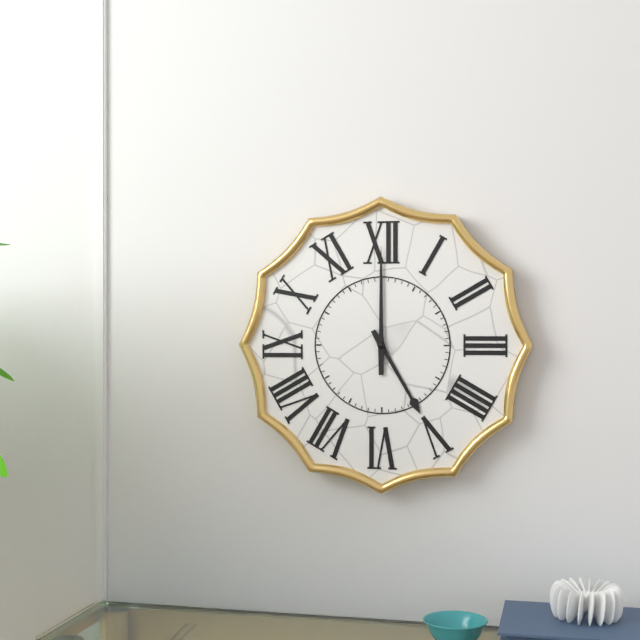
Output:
**5:00**
